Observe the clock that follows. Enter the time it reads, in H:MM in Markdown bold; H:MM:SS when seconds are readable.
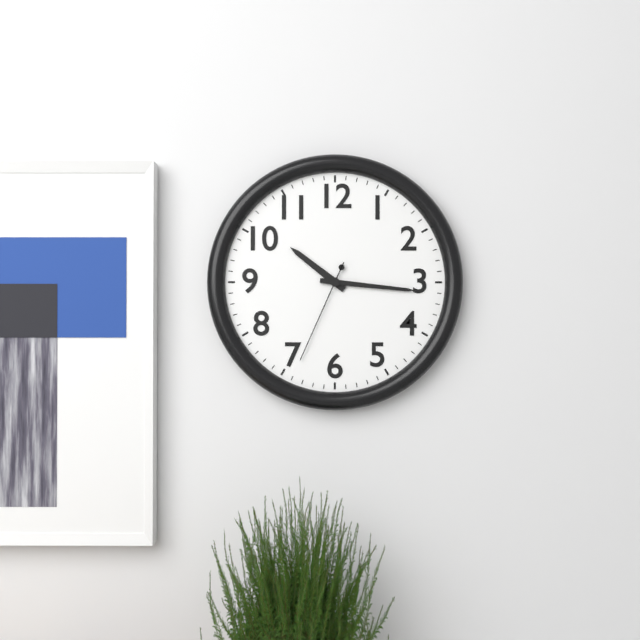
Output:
**10:16:34**
